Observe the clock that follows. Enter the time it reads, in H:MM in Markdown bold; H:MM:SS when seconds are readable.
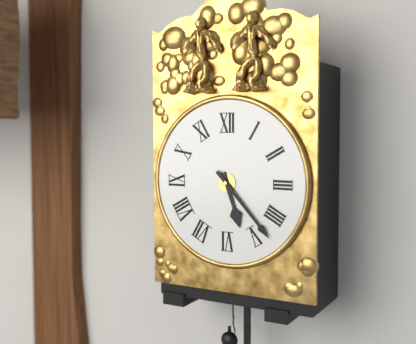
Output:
**5:23**
